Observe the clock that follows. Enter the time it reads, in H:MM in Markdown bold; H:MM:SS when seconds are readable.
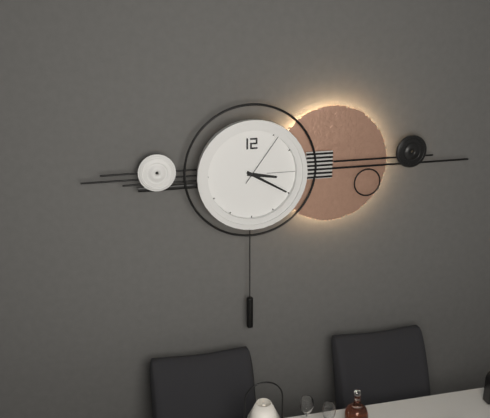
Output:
**3:20:06**
